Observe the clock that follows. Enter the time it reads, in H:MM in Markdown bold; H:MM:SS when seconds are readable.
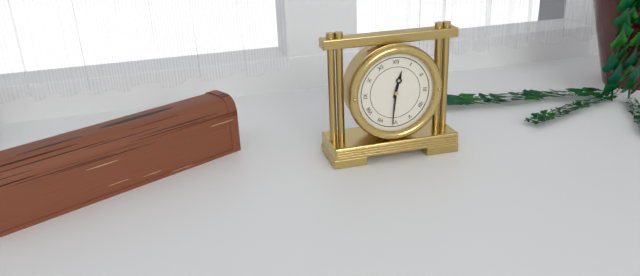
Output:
**12:31**
